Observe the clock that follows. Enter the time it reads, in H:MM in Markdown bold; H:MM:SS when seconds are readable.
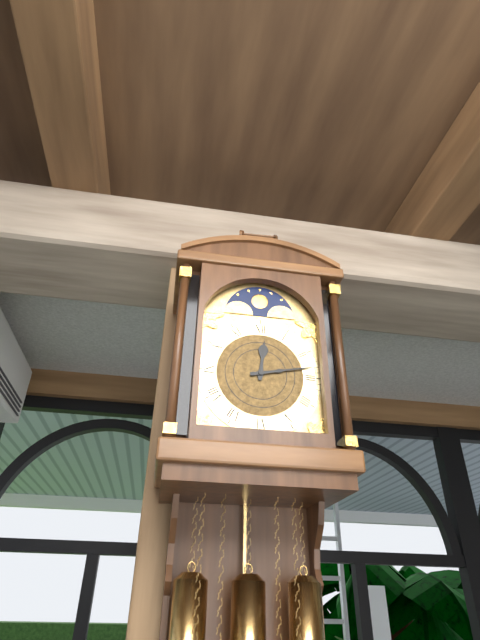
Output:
**12:13**
